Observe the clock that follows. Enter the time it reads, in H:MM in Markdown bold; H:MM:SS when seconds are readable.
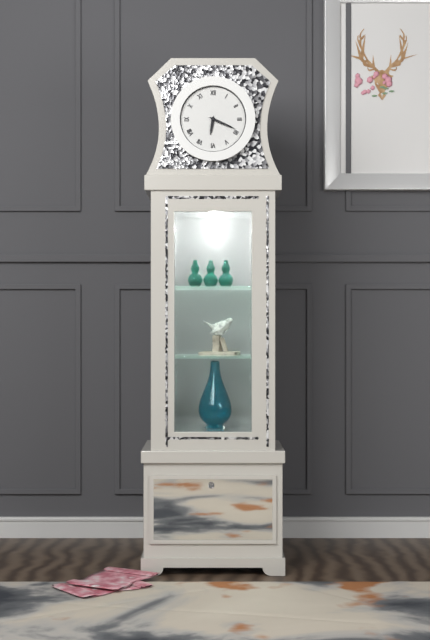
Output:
**6:19**
